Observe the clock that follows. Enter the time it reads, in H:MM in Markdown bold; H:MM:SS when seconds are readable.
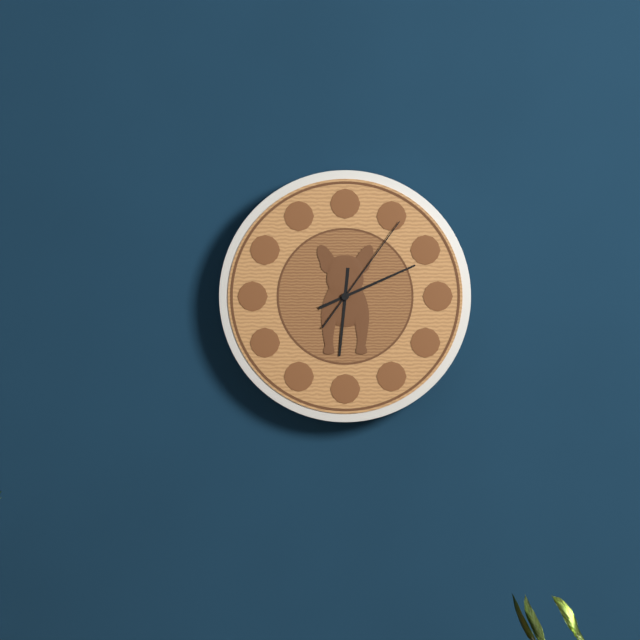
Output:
**6:11:06**
